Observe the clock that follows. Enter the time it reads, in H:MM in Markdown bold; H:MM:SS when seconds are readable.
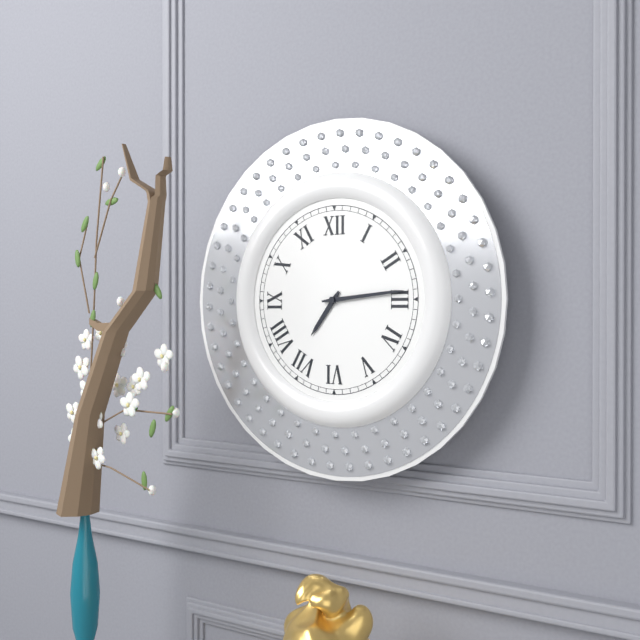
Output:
**7:14**
